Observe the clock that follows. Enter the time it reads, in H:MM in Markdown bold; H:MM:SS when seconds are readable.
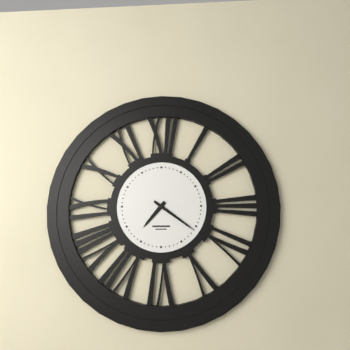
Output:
**7:21**
